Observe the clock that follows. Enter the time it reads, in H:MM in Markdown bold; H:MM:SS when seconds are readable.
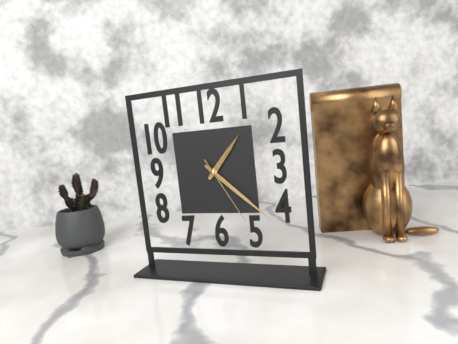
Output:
**1:22:25**
